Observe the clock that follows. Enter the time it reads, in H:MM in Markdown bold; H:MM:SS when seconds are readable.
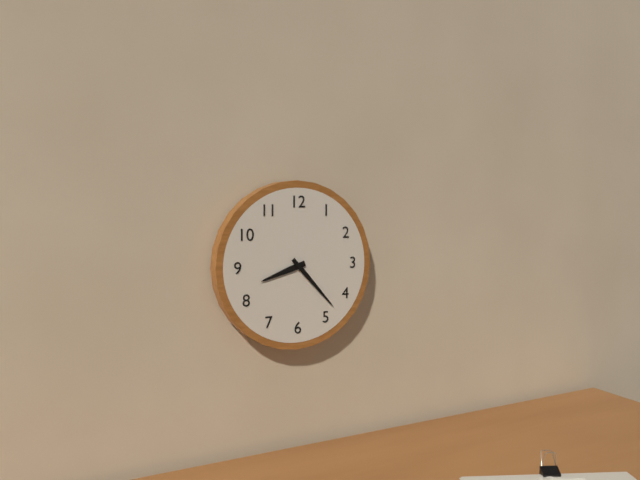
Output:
**8:23**
